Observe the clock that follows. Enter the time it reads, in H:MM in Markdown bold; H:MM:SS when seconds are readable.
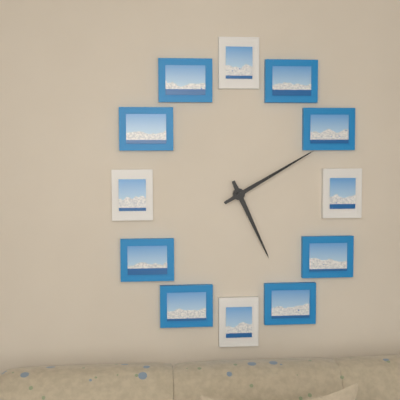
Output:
**5:10**
